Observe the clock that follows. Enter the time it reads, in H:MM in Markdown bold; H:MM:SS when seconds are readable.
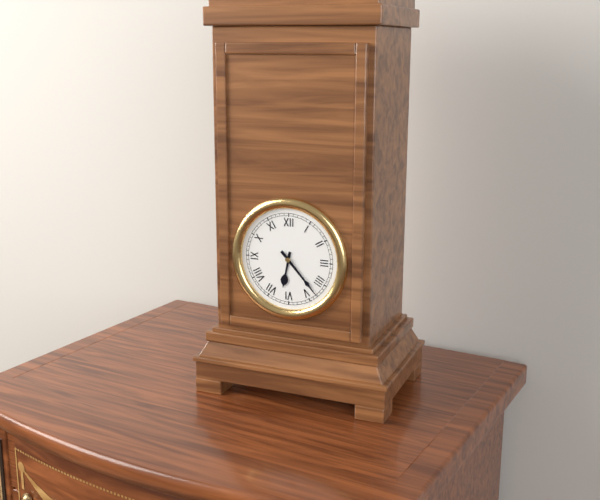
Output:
**6:23**
